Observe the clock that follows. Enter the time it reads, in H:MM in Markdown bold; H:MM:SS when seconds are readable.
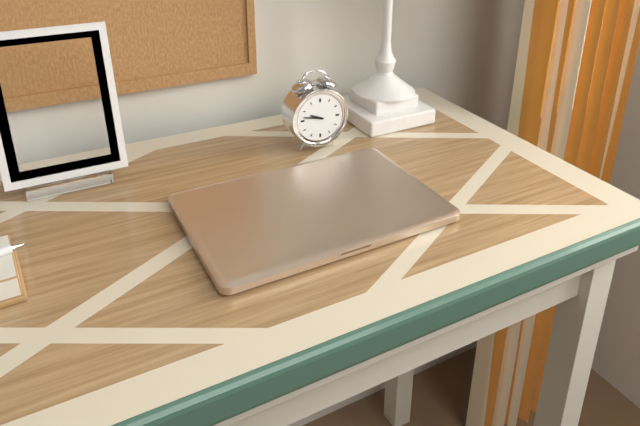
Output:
**9:47**
